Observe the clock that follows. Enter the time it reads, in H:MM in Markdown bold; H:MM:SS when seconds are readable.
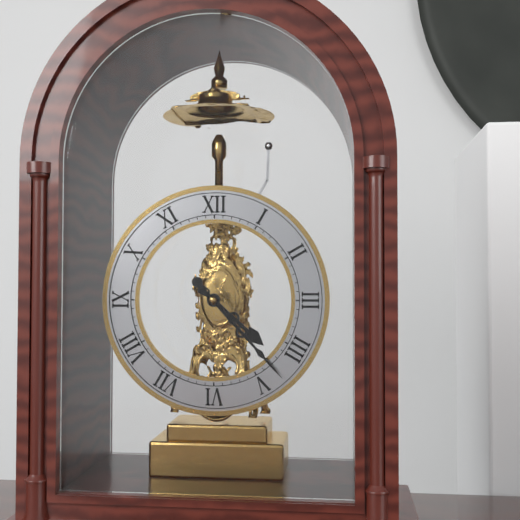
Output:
**4:23**
